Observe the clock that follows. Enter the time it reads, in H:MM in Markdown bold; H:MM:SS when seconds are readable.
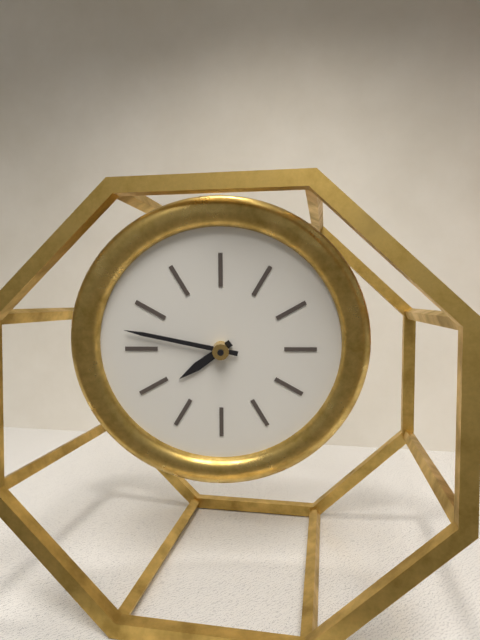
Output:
**7:47**
